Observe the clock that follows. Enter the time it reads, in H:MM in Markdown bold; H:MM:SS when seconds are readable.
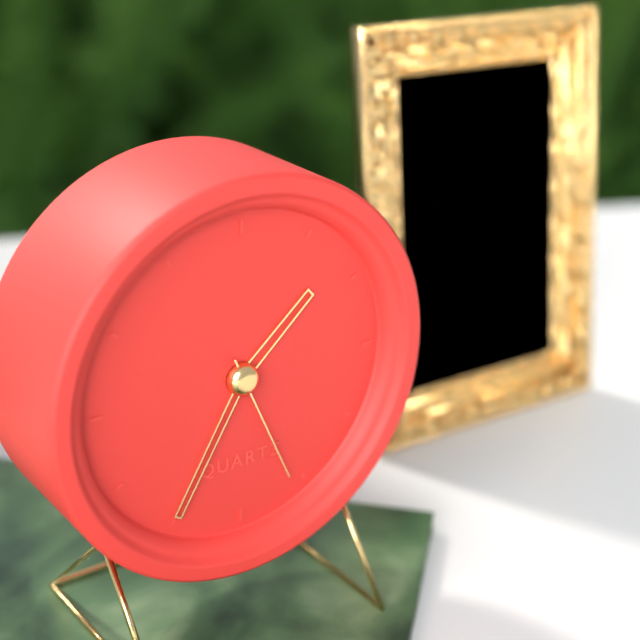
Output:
**1:35:26**
